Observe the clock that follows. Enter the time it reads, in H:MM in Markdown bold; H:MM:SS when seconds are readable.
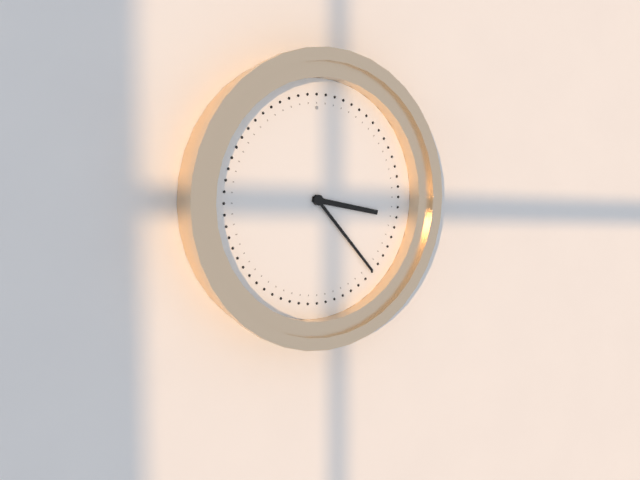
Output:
**3:23**
